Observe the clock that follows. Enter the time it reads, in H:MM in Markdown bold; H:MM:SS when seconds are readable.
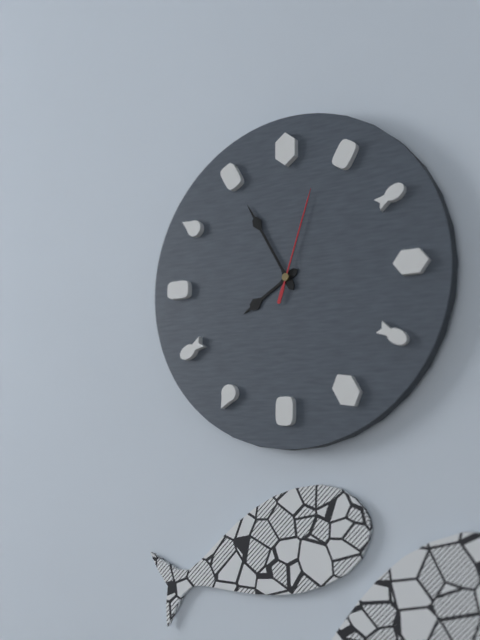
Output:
**7:55:03**
